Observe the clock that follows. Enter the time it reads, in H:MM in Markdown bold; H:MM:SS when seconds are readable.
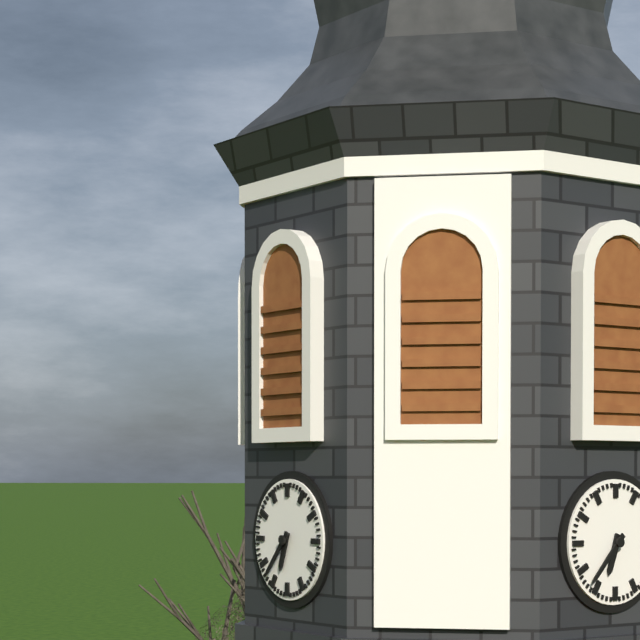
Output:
**6:37**
